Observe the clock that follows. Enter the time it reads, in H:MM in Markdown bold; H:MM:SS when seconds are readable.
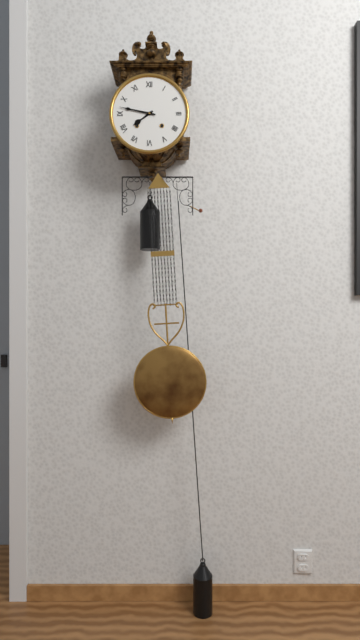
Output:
**7:47**
